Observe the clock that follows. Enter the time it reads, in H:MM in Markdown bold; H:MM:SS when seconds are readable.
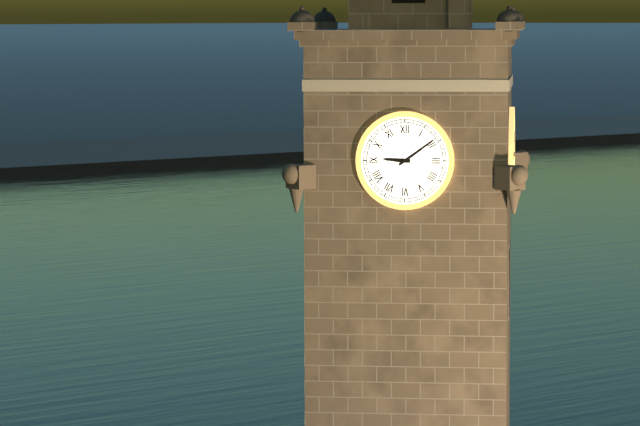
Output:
**9:09**
